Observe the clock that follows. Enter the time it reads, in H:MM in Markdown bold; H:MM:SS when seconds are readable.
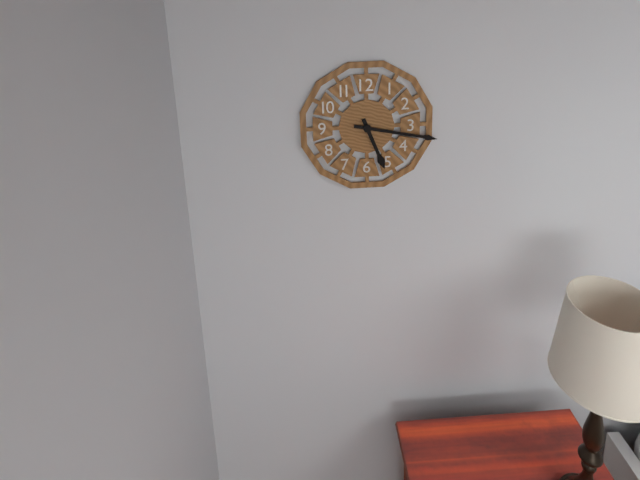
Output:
**5:17**
